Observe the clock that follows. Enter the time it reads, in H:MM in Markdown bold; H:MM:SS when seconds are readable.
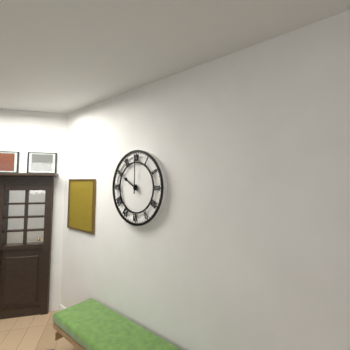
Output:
**10:00**
